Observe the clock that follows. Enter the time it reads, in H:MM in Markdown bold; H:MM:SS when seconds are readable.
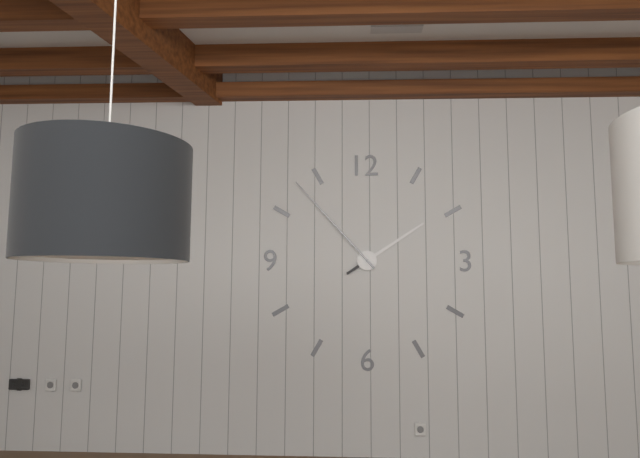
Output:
**1:53**
